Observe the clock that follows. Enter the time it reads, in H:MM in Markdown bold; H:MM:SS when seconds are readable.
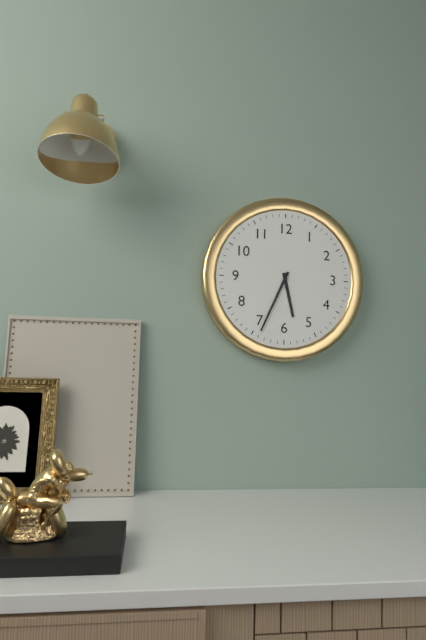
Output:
**5:34**
